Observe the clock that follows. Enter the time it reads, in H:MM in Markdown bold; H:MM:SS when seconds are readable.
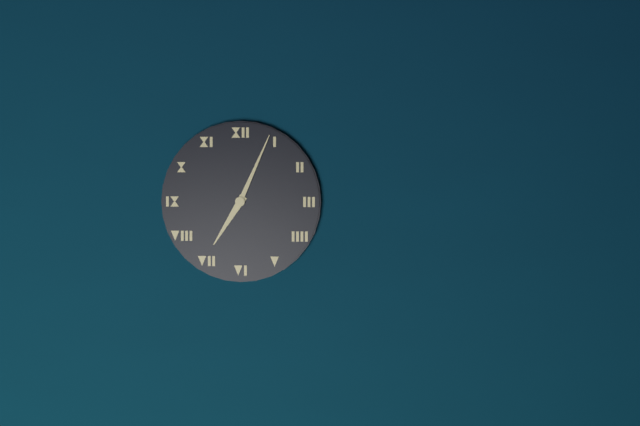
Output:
**7:04**
